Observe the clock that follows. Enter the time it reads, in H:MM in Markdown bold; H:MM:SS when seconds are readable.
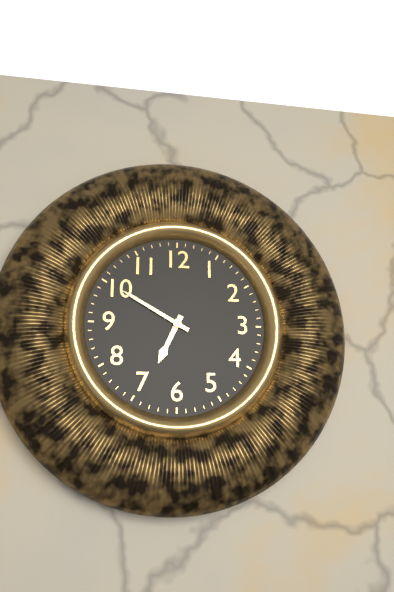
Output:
**6:50**
